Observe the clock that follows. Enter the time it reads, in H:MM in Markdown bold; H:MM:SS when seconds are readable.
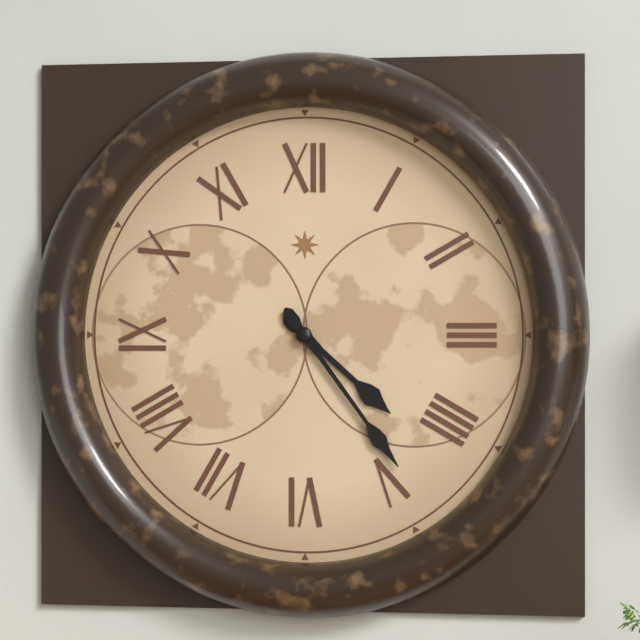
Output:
**4:24**
